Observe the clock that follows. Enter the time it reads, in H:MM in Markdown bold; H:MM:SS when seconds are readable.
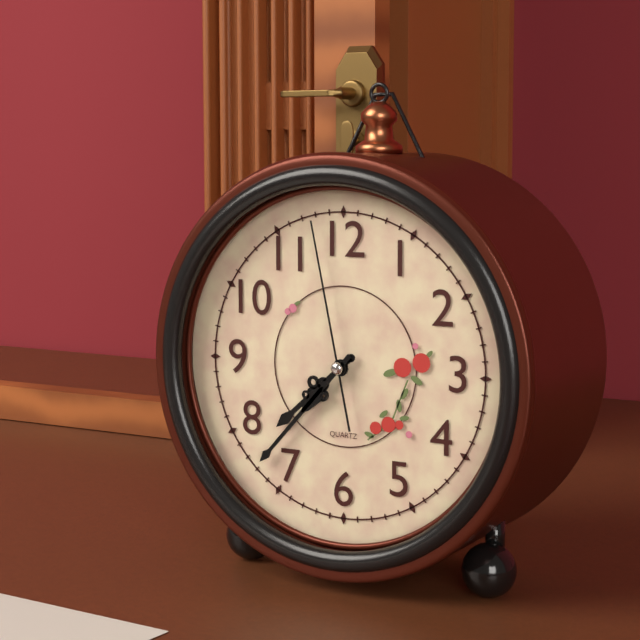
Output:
**7:37:58**
